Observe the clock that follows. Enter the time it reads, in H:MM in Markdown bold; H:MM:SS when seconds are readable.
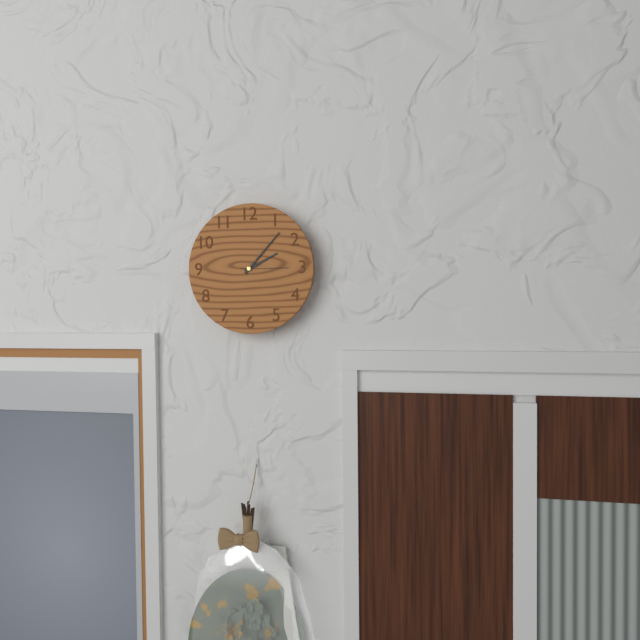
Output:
**2:07**
